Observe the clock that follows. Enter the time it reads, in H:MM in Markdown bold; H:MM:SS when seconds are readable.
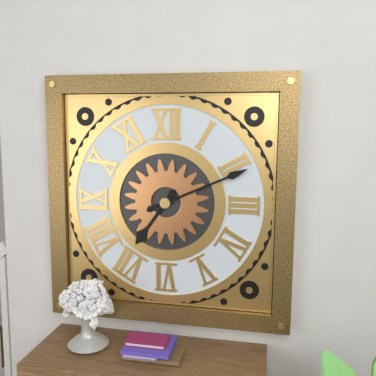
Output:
**7:11**
